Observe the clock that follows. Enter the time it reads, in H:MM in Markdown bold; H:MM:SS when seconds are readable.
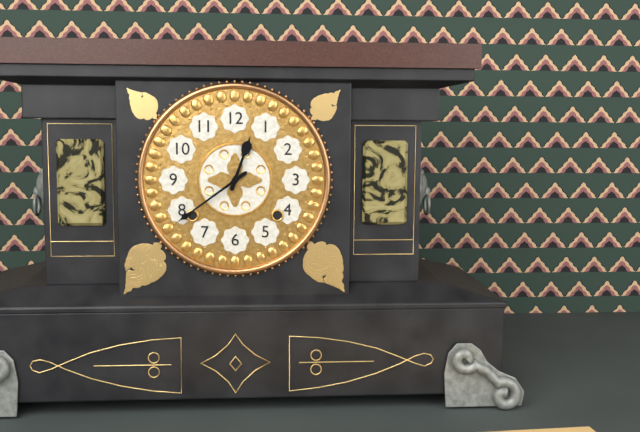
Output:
**12:39**
